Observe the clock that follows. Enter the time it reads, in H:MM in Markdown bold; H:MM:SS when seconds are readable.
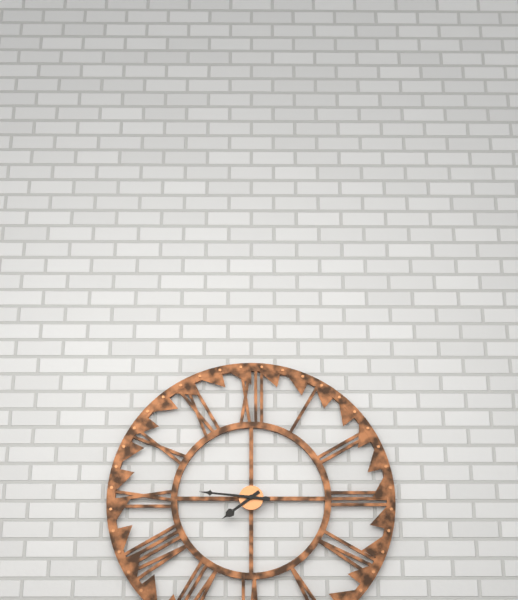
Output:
**7:46**
